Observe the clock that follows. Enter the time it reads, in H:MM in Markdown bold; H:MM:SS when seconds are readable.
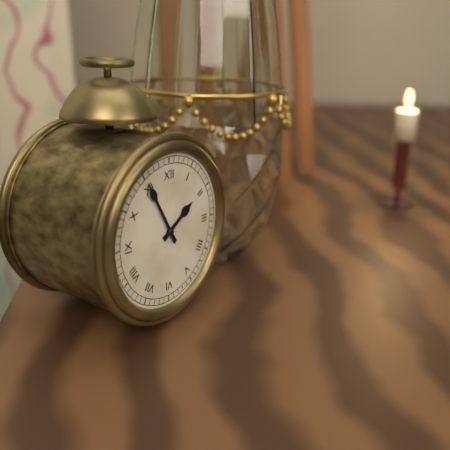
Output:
**1:55**
